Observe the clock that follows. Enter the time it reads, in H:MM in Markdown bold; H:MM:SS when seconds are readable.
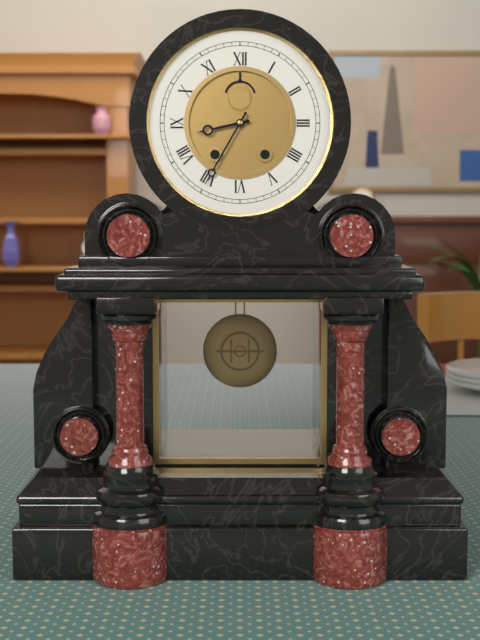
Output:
**8:35**
